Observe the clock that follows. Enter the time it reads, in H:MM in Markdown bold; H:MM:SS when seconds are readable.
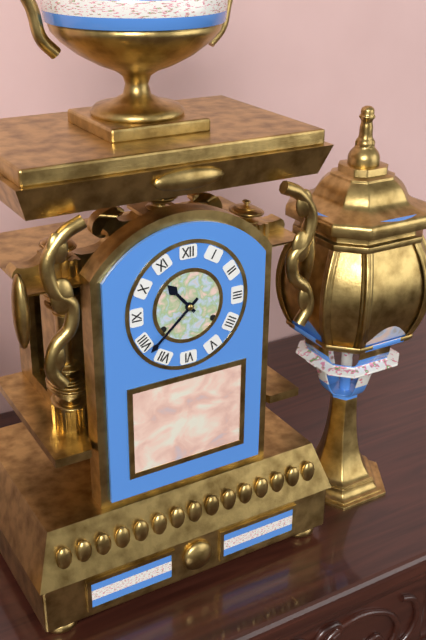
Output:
**10:38**
